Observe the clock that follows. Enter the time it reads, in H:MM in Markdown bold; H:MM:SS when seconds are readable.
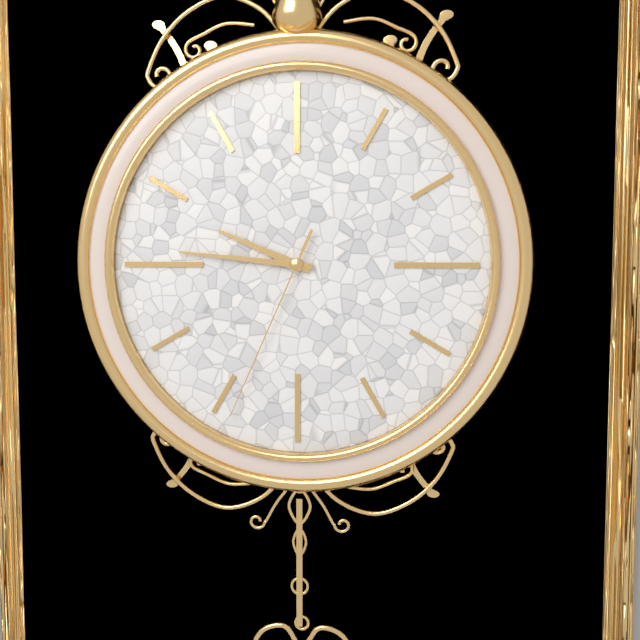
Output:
**9:46:34**
